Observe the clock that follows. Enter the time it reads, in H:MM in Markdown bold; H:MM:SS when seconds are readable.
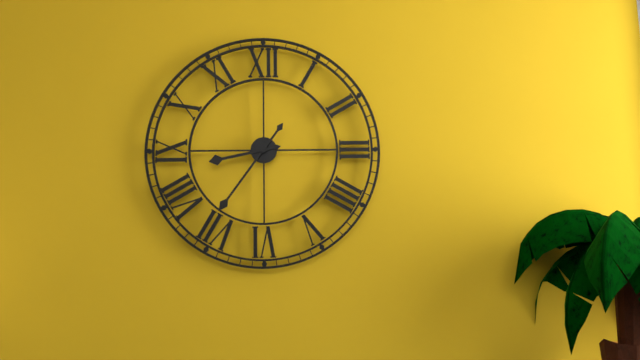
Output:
**8:36**
